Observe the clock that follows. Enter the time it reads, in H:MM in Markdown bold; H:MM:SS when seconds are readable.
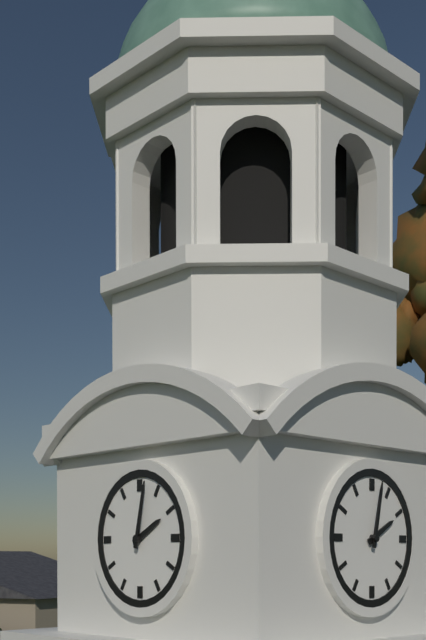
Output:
**2:02**
